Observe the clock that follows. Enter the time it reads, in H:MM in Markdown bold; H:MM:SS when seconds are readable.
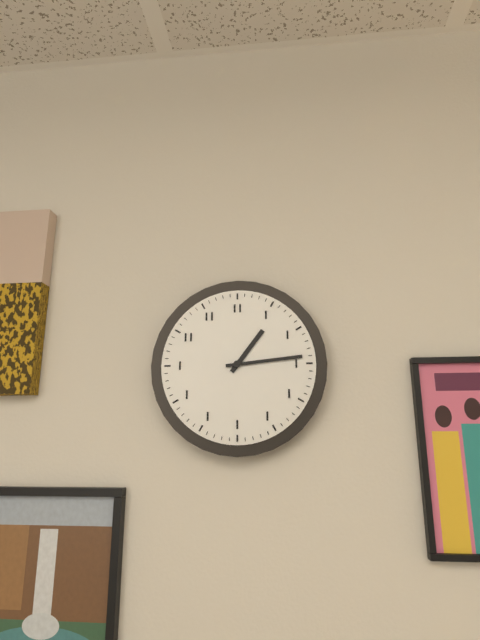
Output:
**1:14**
